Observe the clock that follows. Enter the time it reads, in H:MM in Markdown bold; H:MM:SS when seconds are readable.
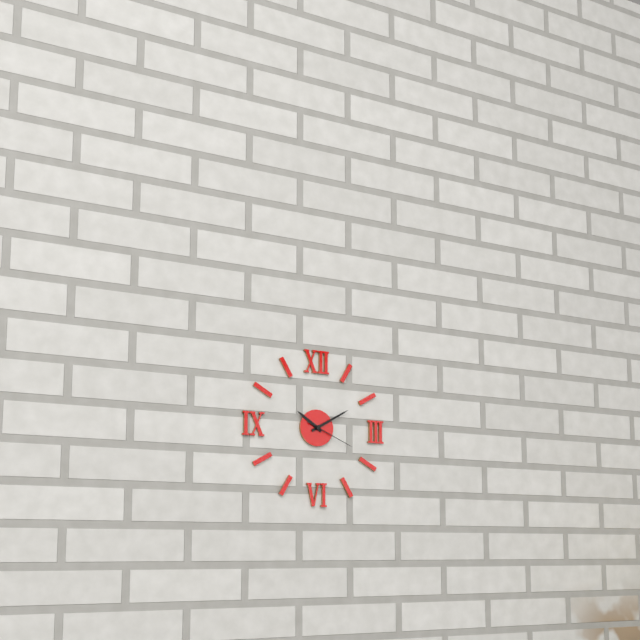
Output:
**10:10:19**
